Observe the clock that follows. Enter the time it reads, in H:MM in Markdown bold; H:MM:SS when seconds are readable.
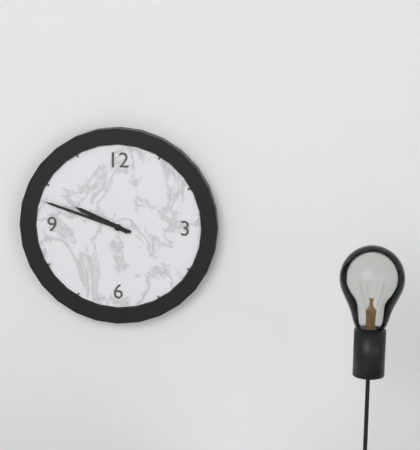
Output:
**9:48**
